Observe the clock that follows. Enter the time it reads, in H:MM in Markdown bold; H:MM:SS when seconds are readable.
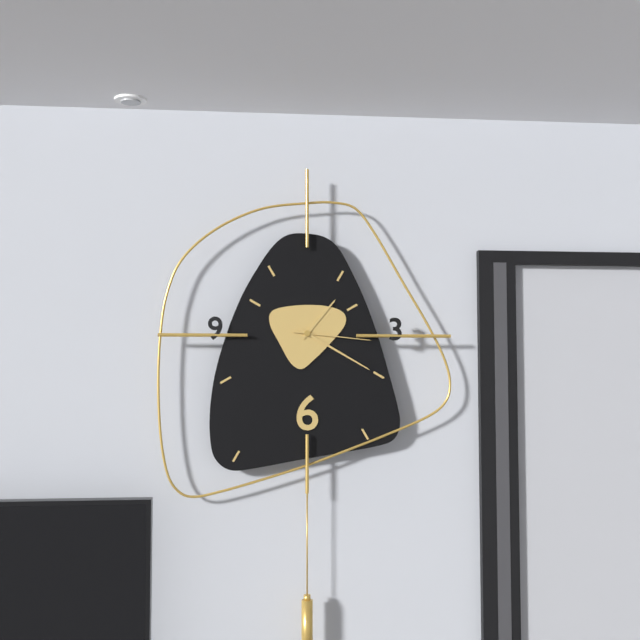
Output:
**1:20:16**
